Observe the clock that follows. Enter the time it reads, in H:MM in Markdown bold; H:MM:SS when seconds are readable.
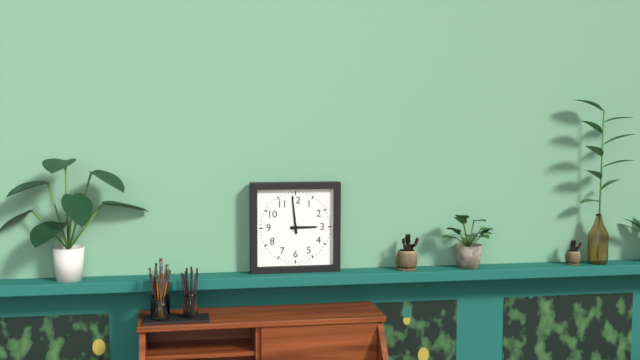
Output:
**2:59**
